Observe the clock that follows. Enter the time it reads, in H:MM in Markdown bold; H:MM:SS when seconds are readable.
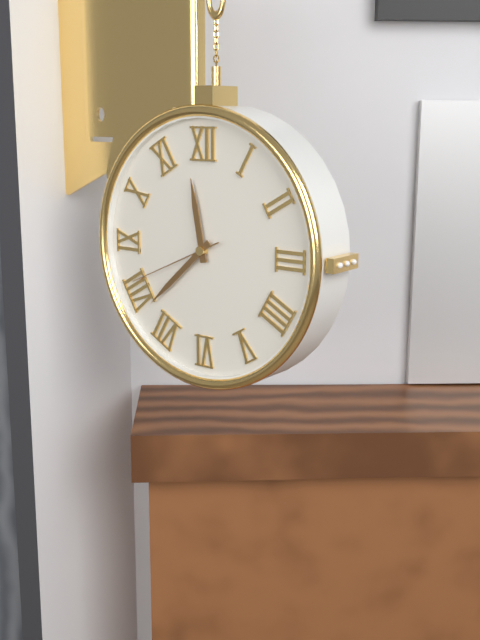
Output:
**11:38:41**
